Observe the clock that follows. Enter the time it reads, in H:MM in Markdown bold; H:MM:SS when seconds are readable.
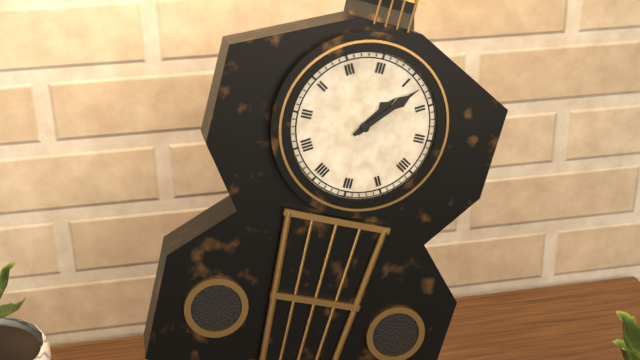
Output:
**1:07**
